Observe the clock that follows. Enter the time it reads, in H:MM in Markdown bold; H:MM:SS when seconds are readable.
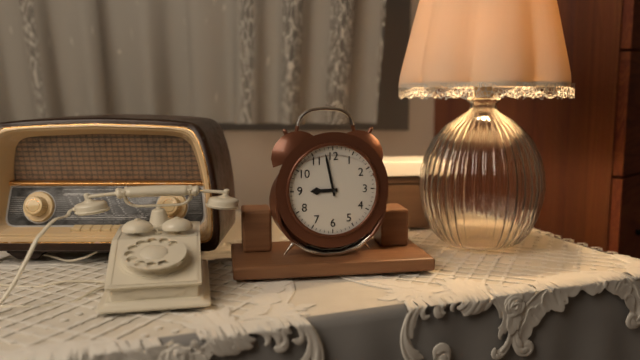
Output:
**8:58**
